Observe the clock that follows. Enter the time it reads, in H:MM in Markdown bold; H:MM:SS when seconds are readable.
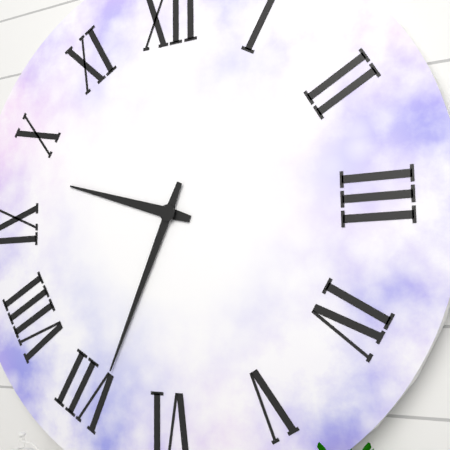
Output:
**9:34**
